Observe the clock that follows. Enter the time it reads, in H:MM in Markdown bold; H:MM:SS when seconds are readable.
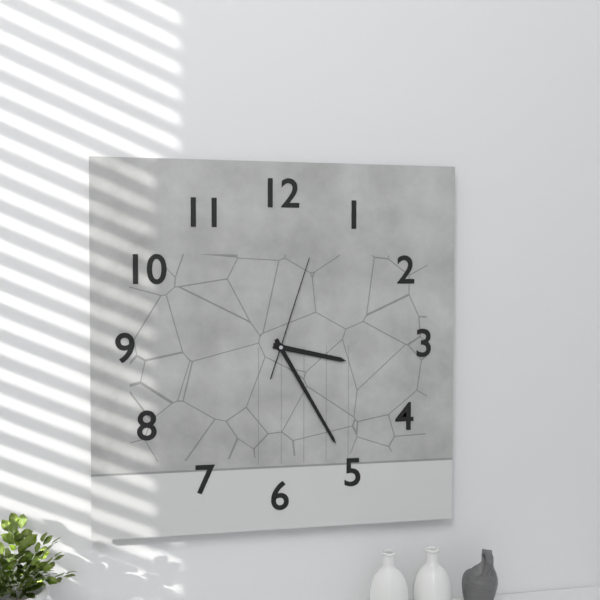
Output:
**3:25:03**
